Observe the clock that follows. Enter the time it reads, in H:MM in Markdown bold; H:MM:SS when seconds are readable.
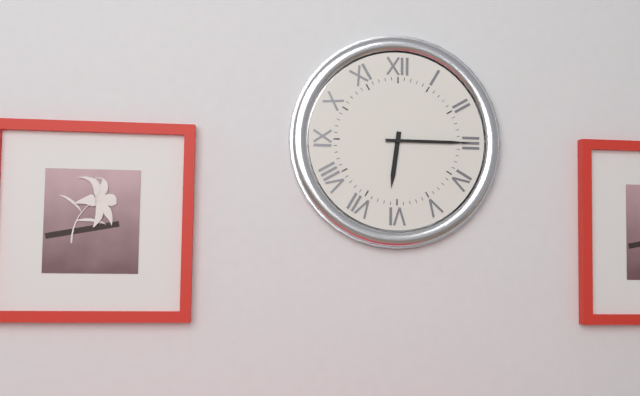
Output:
**6:15**
